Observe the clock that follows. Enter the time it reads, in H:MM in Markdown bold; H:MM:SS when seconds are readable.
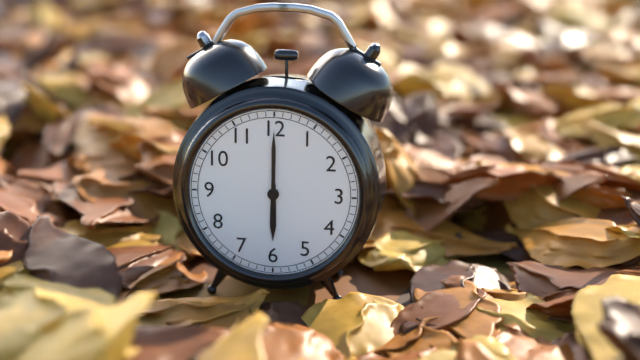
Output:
**6:00**
